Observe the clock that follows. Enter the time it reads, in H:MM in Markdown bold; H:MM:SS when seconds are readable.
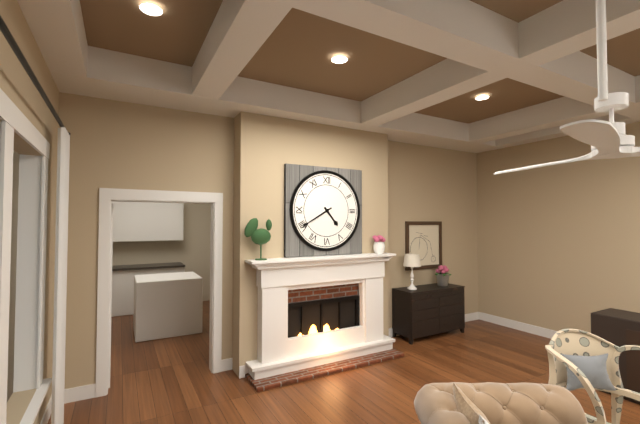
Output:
**4:40**
